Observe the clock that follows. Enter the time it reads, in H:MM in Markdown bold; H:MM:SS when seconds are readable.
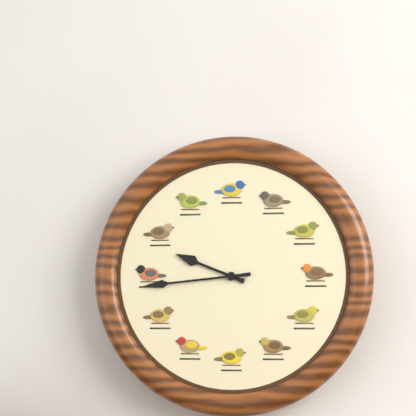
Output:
**9:44**
